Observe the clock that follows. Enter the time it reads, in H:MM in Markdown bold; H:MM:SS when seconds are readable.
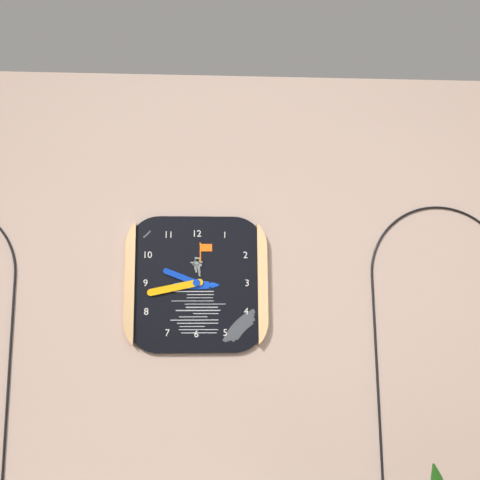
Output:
**9:43**
